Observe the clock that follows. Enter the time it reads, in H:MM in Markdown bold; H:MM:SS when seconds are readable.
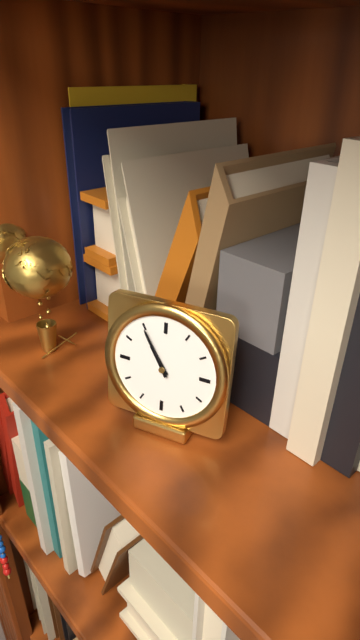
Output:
**10:55**
